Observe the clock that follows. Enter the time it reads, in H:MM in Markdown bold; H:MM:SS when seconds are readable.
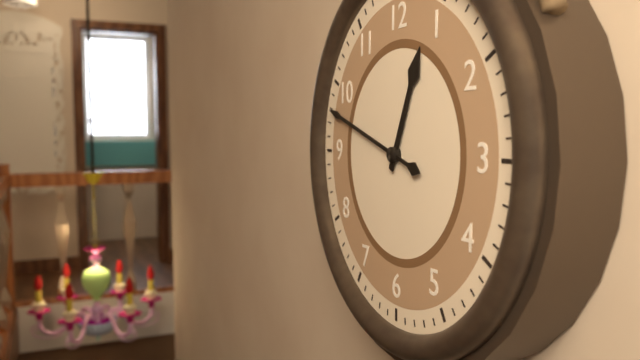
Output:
**12:48**
